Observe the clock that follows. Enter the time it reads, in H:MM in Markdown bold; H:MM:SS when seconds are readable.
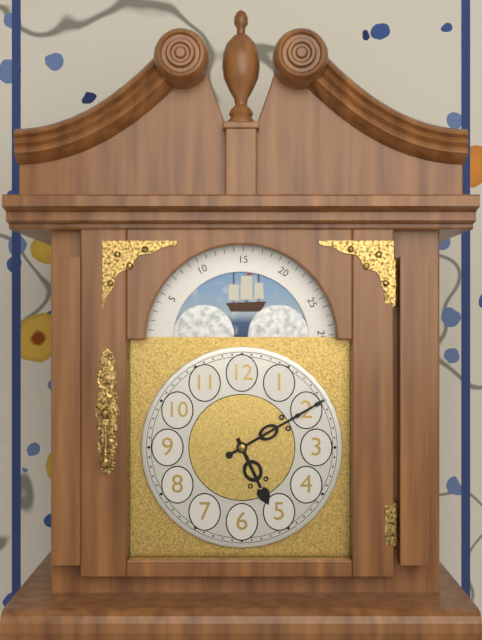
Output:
**5:10**
